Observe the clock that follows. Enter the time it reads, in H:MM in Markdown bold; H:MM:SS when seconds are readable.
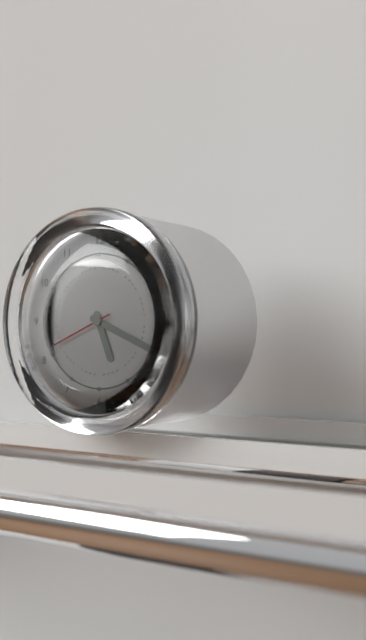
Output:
**5:19:41**
